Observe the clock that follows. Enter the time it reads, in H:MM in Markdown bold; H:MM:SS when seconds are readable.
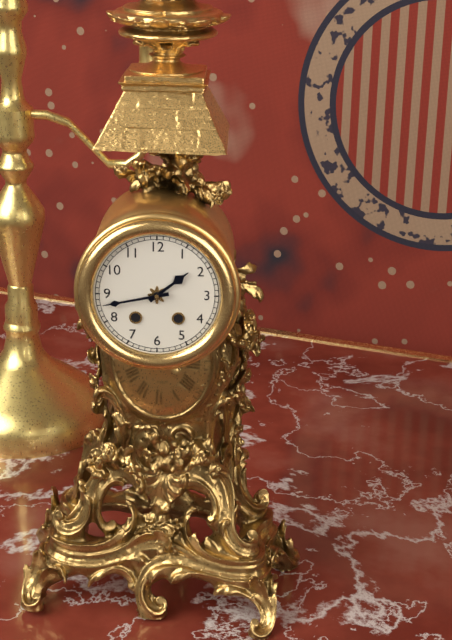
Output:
**1:43**
